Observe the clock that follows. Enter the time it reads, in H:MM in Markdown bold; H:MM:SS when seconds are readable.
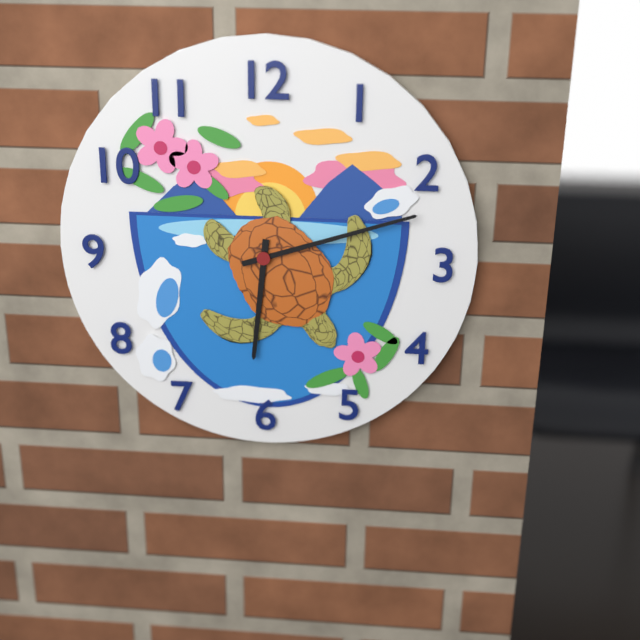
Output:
**6:12**
